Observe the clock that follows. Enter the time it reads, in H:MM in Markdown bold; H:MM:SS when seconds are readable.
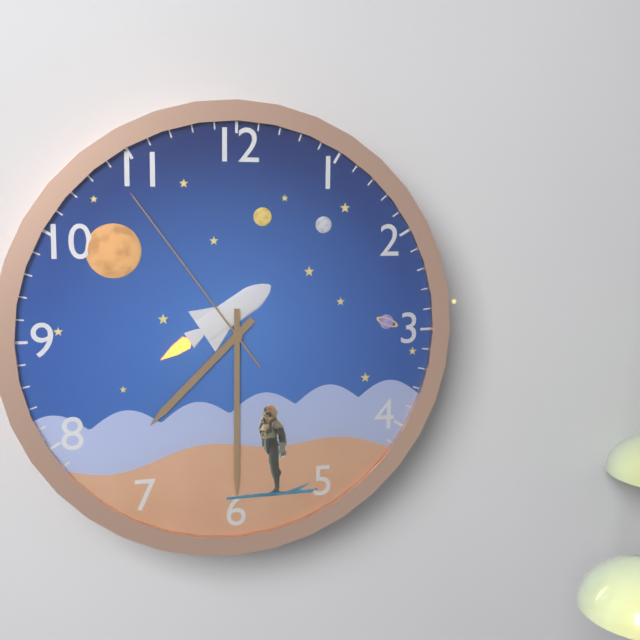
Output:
**7:30:54**
